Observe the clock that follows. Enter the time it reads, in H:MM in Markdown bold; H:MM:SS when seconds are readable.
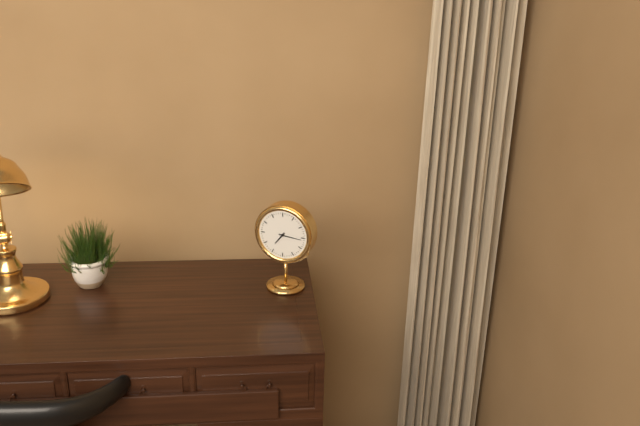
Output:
**7:16**
